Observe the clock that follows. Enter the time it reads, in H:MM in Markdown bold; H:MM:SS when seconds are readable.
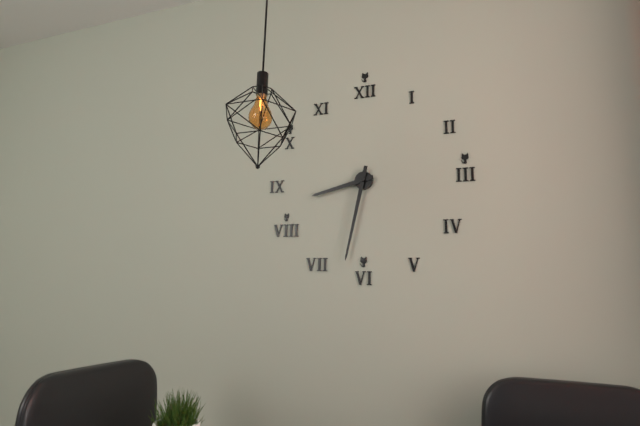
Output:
**8:32**
